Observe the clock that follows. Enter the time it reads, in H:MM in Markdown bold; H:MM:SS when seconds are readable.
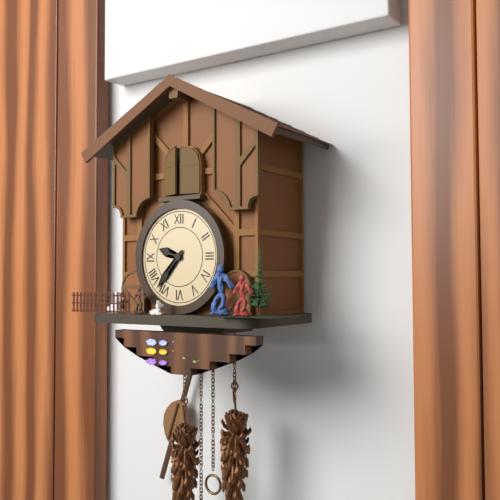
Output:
**9:37**
